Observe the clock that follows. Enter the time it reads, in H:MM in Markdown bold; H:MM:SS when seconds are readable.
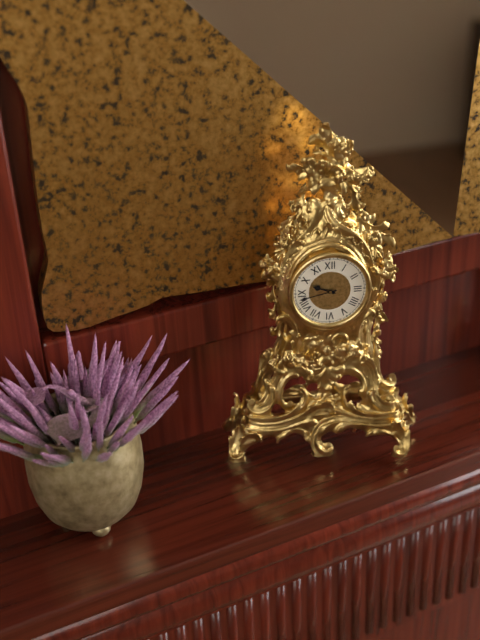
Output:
**9:43**
